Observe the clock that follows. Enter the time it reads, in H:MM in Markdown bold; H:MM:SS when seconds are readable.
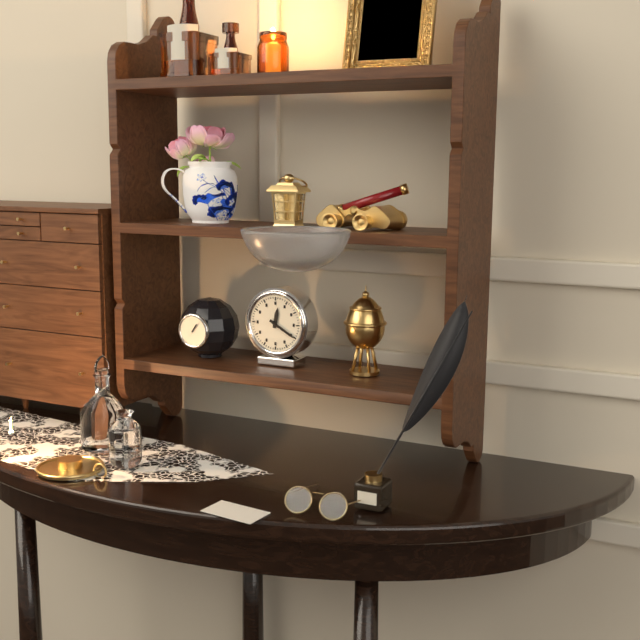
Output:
**12:20**
